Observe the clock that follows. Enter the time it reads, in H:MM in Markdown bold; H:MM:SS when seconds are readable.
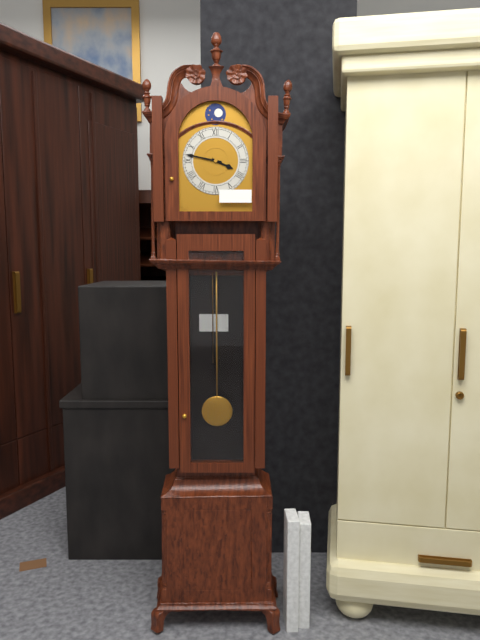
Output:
**3:47**
